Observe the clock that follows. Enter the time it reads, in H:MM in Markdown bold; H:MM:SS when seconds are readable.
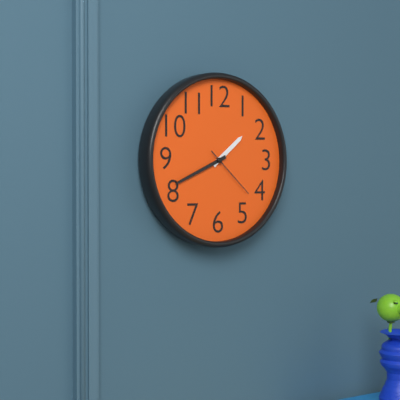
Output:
**1:41:22**
